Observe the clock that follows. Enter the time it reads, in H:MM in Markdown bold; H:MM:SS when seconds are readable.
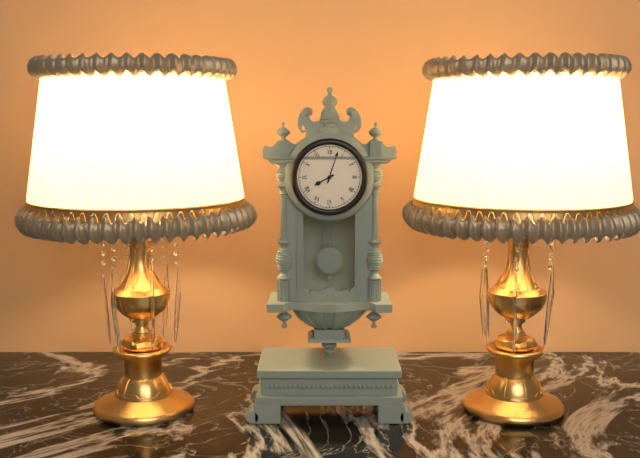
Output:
**8:03**
